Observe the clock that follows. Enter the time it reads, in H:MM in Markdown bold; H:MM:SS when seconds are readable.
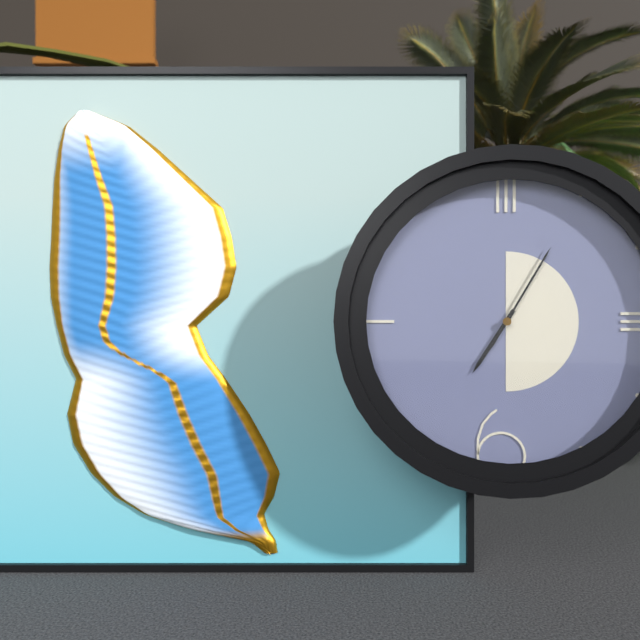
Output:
**7:05**
